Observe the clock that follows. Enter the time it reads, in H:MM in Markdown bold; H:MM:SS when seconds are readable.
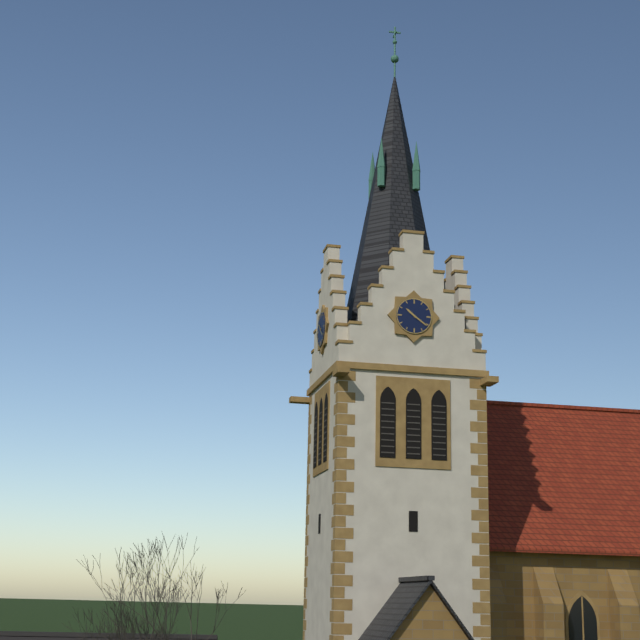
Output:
**10:21**
